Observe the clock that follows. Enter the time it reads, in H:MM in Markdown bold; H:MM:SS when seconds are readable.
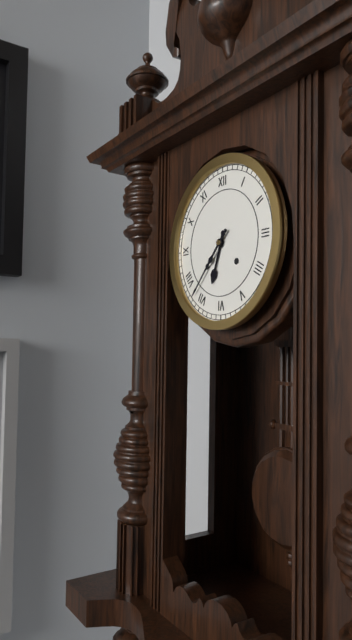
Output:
**6:37**
